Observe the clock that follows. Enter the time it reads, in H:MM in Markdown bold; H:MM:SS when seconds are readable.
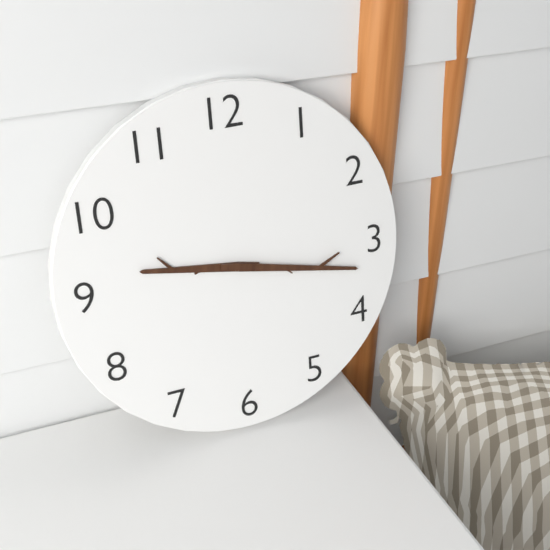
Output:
**9:17**
